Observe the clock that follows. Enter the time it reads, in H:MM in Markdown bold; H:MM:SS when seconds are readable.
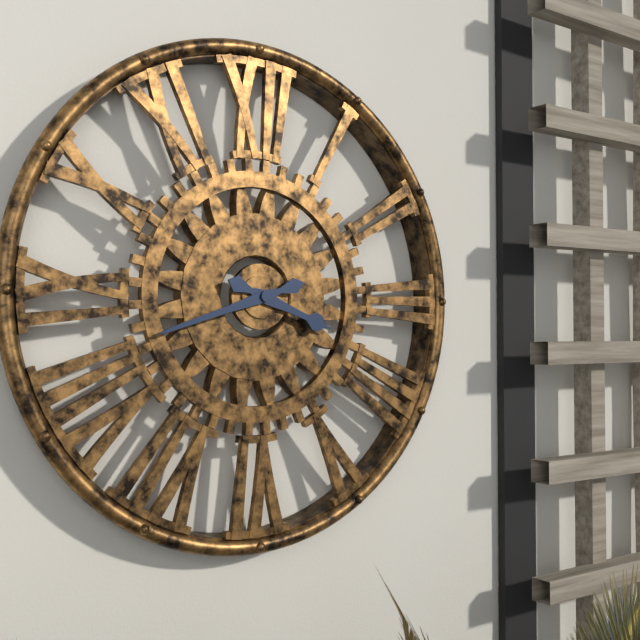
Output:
**3:42**
